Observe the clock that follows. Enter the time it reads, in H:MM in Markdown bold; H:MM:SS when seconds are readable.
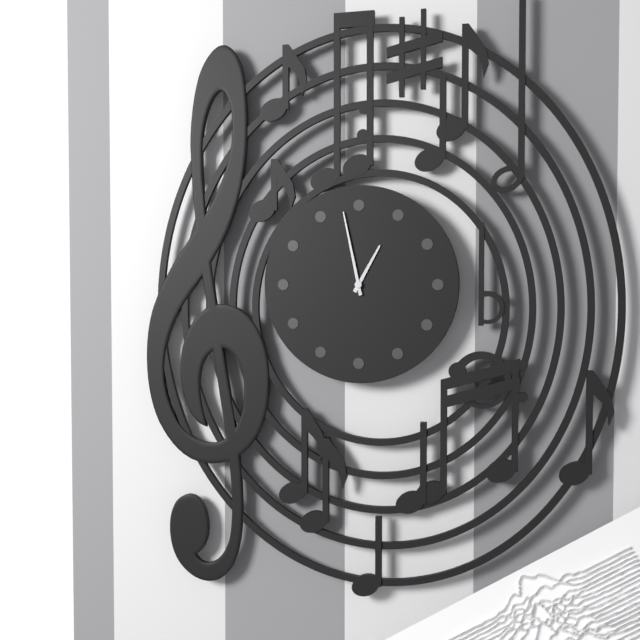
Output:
**12:58**
